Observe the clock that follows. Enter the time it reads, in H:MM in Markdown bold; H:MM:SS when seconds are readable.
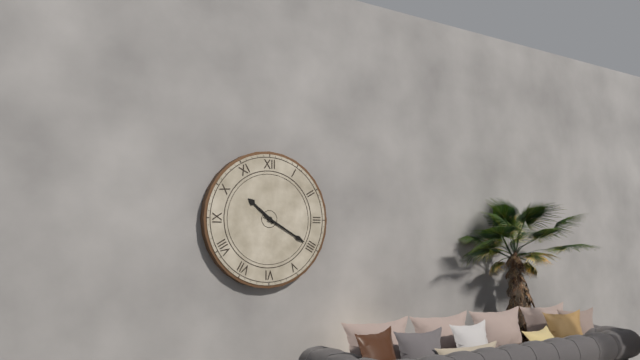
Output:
**10:20**
